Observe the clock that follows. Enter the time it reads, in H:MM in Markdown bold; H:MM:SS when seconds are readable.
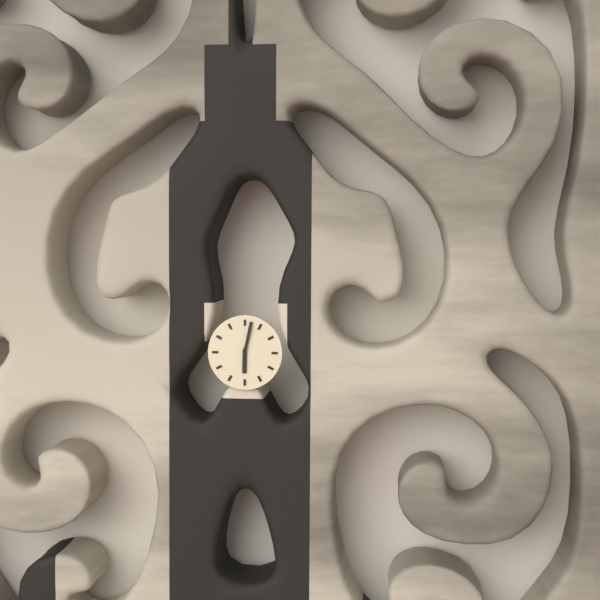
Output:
**6:02**
